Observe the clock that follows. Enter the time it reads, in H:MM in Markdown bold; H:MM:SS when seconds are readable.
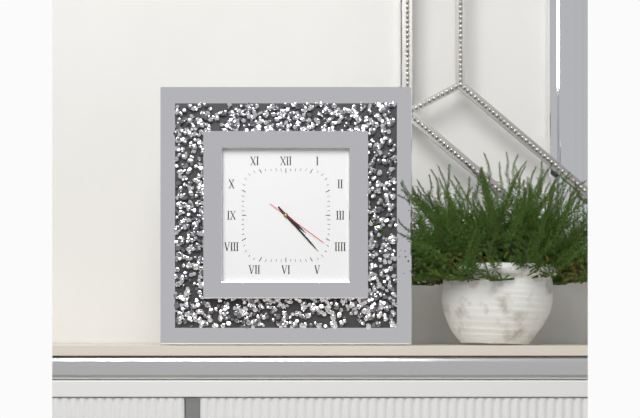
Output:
**4:23:21**
